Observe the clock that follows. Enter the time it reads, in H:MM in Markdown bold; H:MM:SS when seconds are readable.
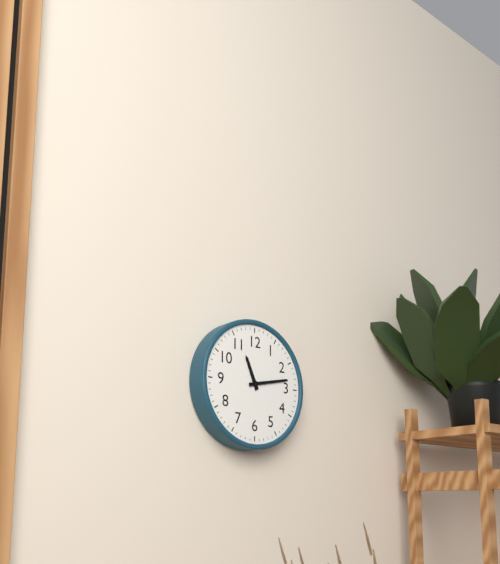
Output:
**11:13**
